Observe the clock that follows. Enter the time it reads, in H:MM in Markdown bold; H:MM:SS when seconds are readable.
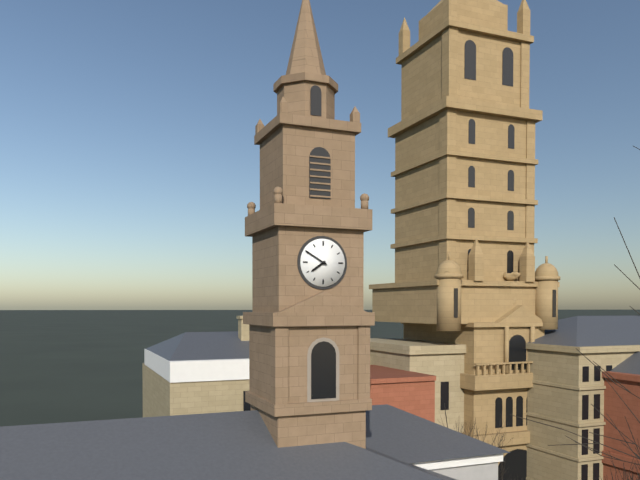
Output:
**7:50**
